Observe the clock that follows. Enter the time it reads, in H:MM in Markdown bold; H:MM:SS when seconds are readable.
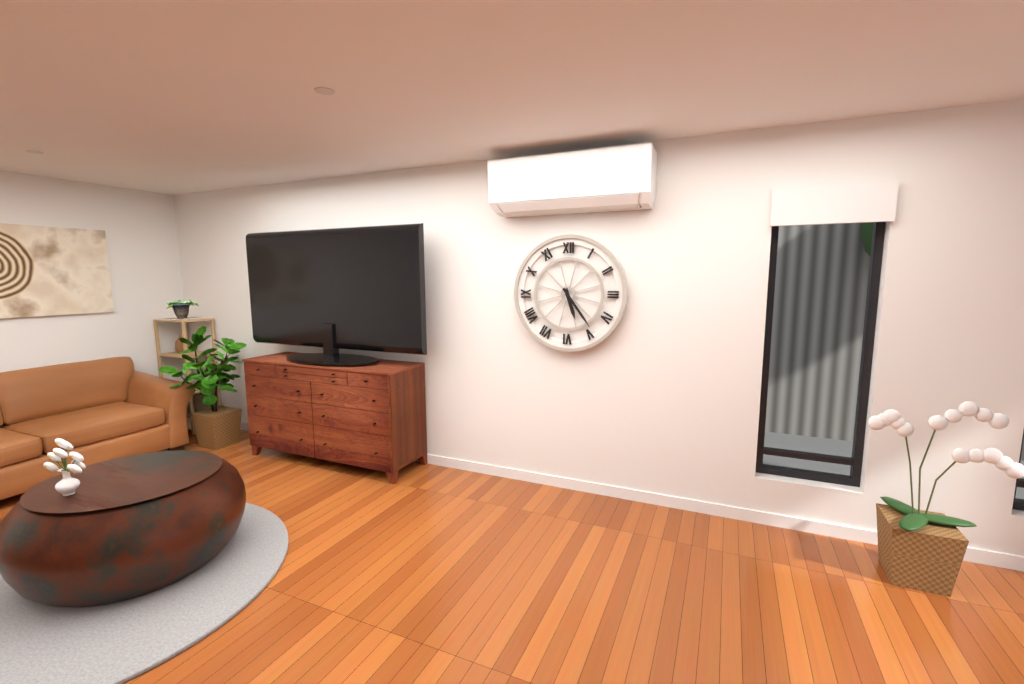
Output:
**5:24**
